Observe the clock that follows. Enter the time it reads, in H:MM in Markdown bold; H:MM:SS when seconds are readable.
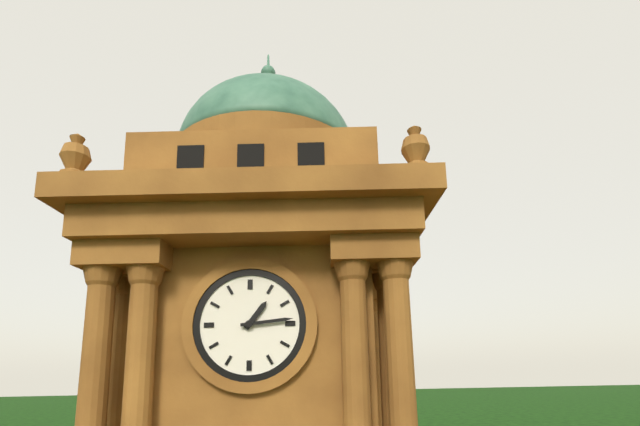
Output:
**1:14**
